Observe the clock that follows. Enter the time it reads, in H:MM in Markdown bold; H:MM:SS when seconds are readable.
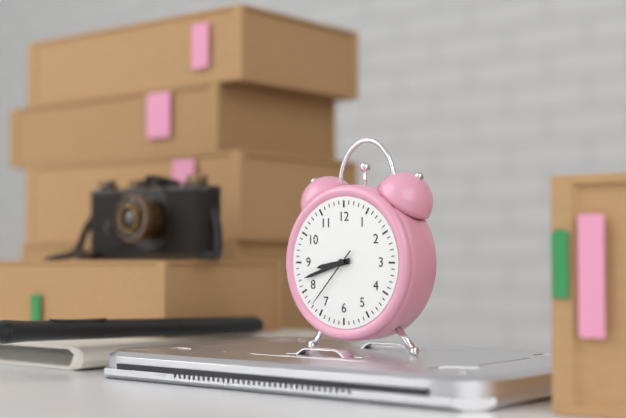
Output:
**8:42:37**
